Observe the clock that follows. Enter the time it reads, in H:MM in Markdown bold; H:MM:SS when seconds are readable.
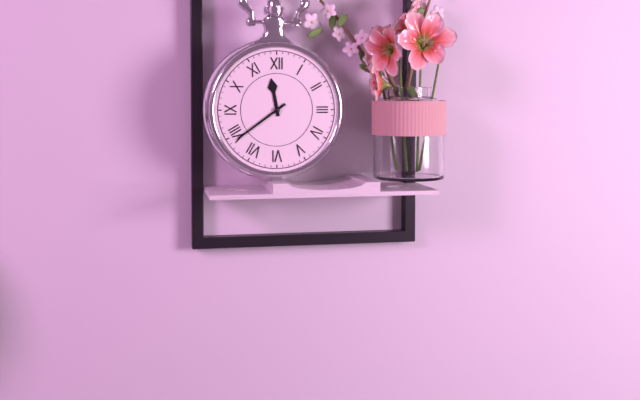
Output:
**11:39**
